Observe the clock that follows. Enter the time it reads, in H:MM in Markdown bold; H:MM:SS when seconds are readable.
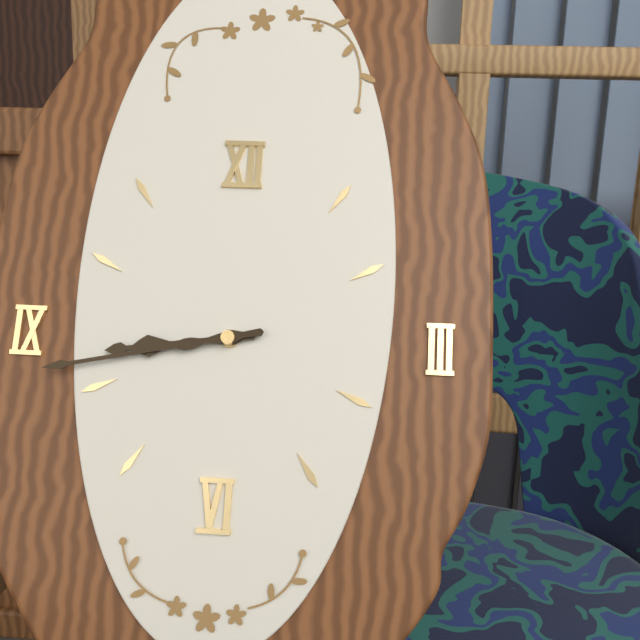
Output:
**8:43**
